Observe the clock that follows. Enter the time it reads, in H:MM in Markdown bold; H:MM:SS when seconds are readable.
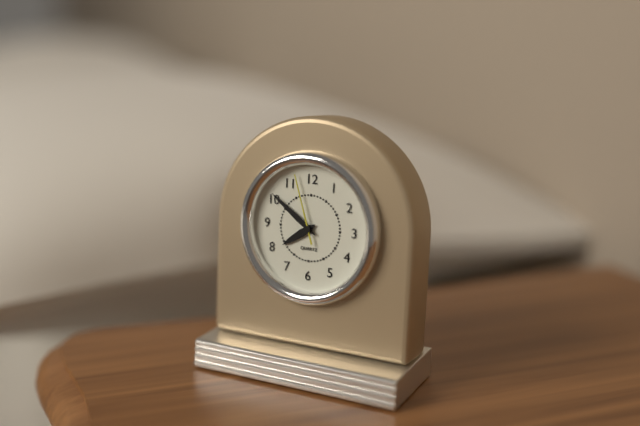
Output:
**7:51:57**
